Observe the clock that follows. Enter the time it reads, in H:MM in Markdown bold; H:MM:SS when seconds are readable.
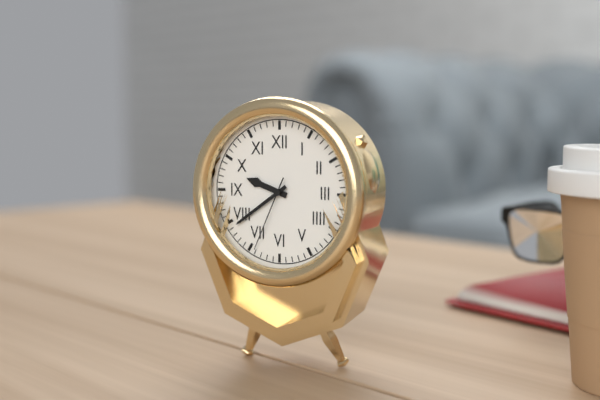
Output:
**9:39:34**
